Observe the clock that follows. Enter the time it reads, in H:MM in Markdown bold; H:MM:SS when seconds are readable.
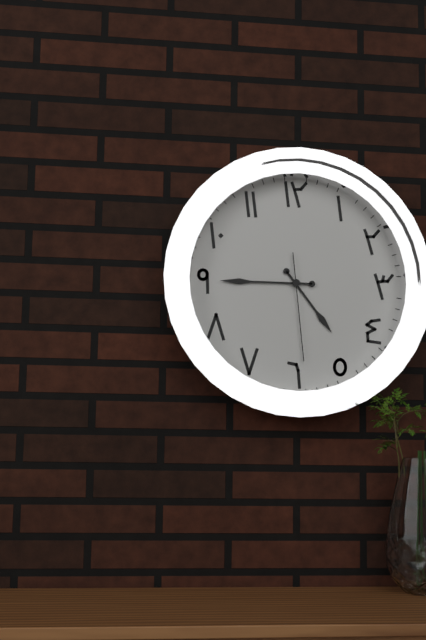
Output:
**4:45:29**
